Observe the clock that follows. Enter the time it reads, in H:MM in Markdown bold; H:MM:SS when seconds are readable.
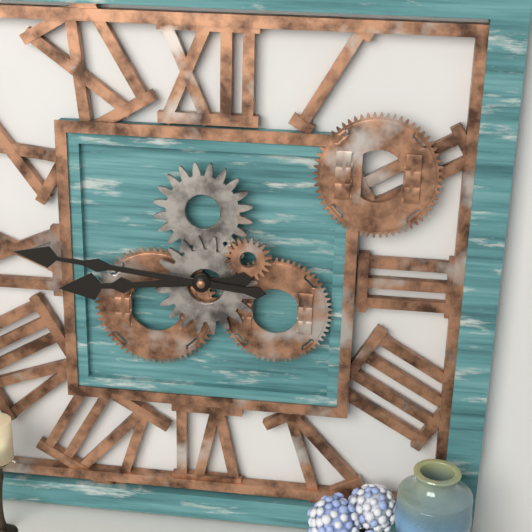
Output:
**8:46**
